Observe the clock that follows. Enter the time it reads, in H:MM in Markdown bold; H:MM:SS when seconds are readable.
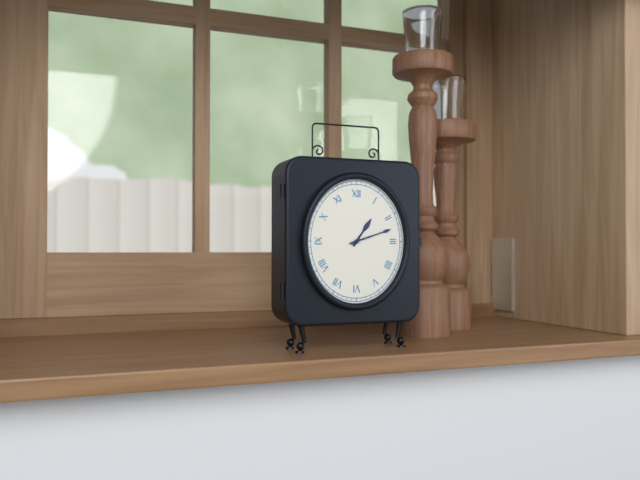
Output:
**1:12**
